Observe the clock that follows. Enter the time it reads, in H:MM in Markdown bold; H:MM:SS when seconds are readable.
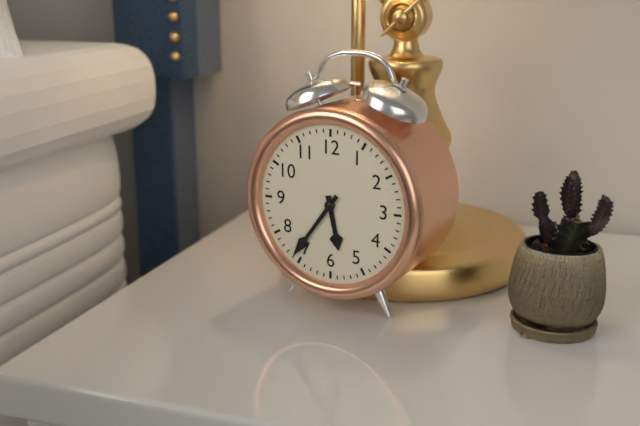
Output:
**5:36**
